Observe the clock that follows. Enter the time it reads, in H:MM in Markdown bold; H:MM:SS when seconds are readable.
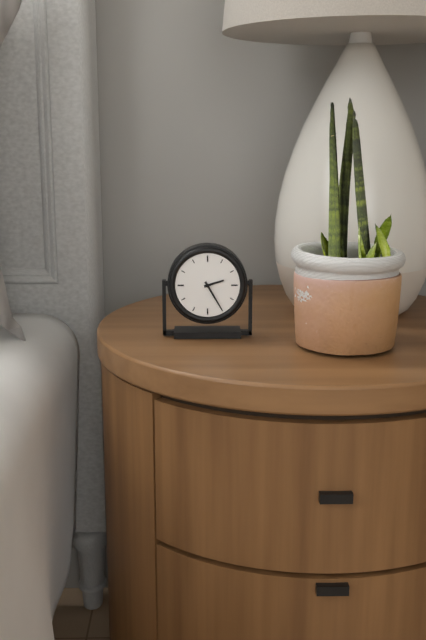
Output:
**2:25**
